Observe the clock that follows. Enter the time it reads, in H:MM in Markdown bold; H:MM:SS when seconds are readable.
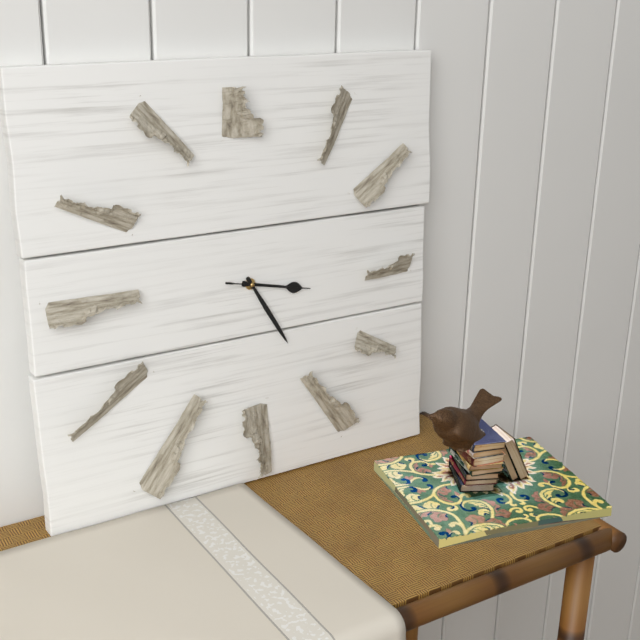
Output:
**3:25:17**
